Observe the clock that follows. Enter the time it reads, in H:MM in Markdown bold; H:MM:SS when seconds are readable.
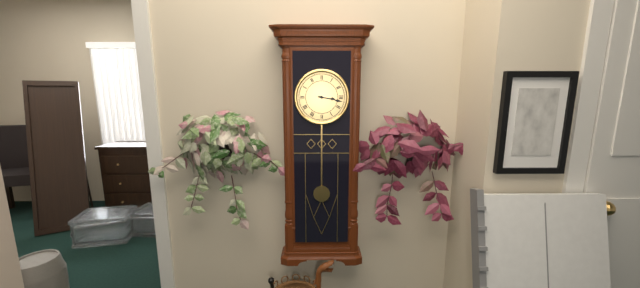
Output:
**3:17**
